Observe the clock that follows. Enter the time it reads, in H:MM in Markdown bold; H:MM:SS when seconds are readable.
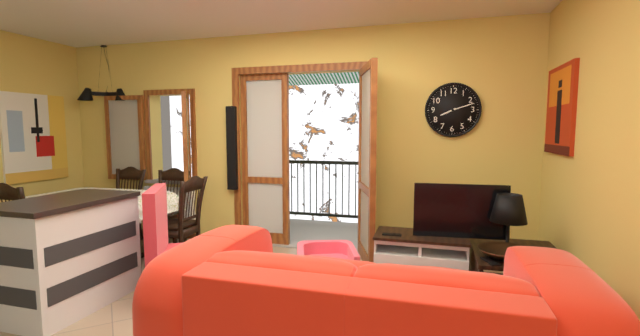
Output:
**8:12**
